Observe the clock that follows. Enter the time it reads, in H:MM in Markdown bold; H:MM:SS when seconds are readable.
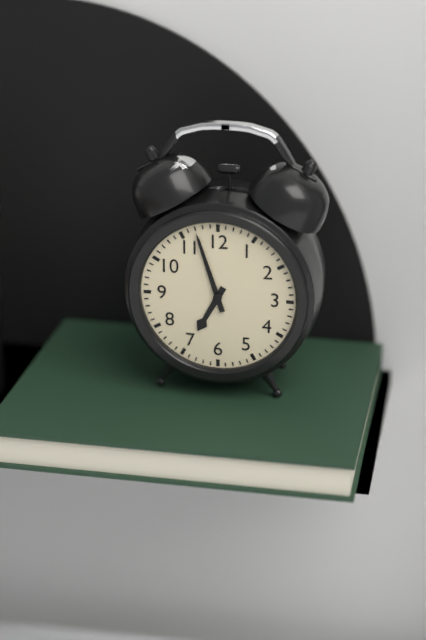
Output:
**6:57**
